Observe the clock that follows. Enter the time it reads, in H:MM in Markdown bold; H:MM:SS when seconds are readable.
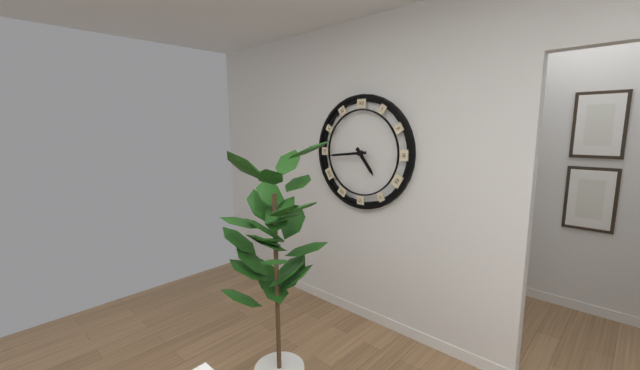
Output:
**4:44**
